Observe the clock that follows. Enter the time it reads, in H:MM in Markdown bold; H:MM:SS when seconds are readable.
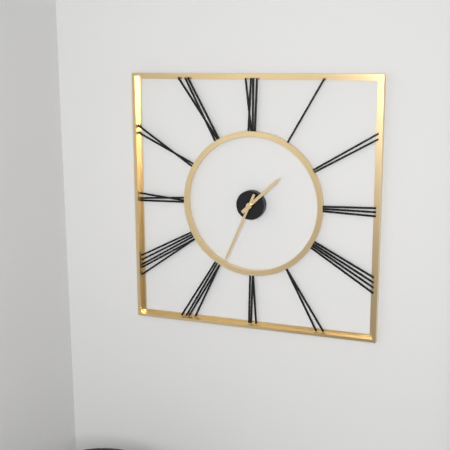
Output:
**1:34**
